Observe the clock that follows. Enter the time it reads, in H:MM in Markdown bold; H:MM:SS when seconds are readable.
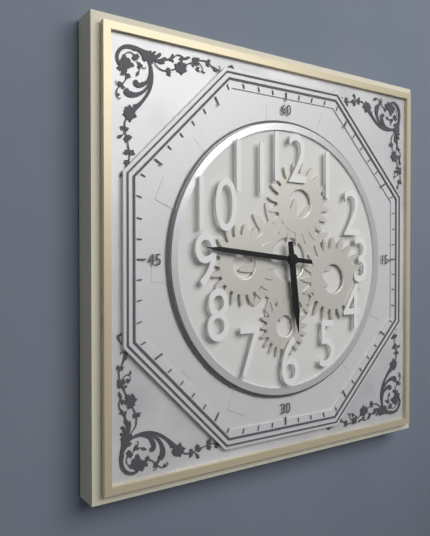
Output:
**5:46**
